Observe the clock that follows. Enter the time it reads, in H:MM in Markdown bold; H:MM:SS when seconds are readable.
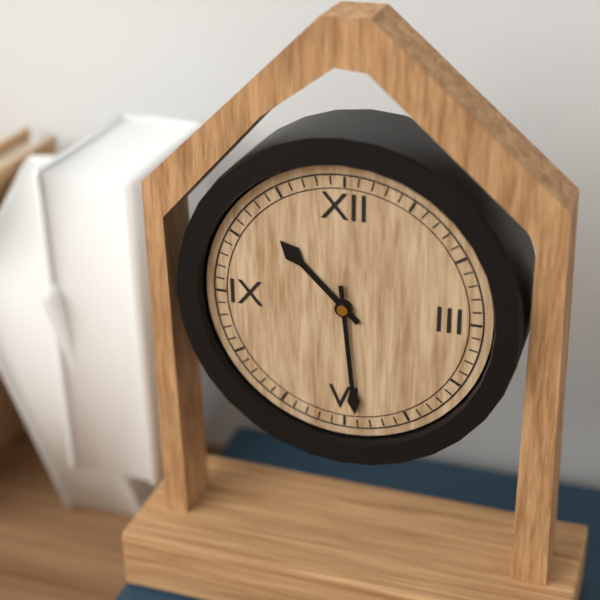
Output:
**10:29**
